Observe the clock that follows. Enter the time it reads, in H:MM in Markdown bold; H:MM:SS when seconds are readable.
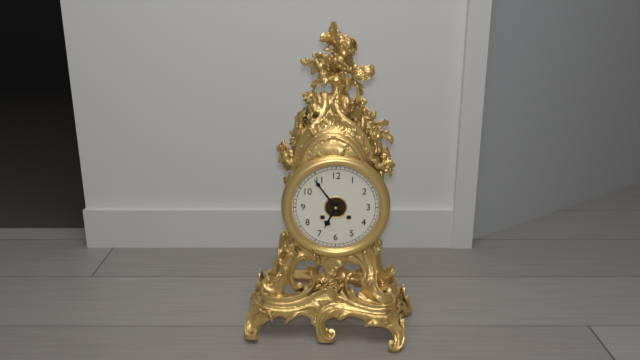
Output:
**6:54**
